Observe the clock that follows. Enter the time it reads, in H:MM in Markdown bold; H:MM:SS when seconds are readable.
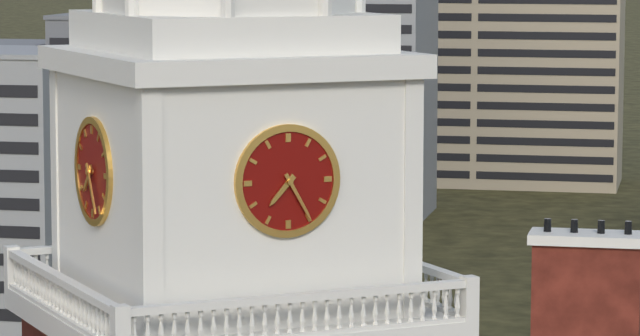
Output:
**7:25**
